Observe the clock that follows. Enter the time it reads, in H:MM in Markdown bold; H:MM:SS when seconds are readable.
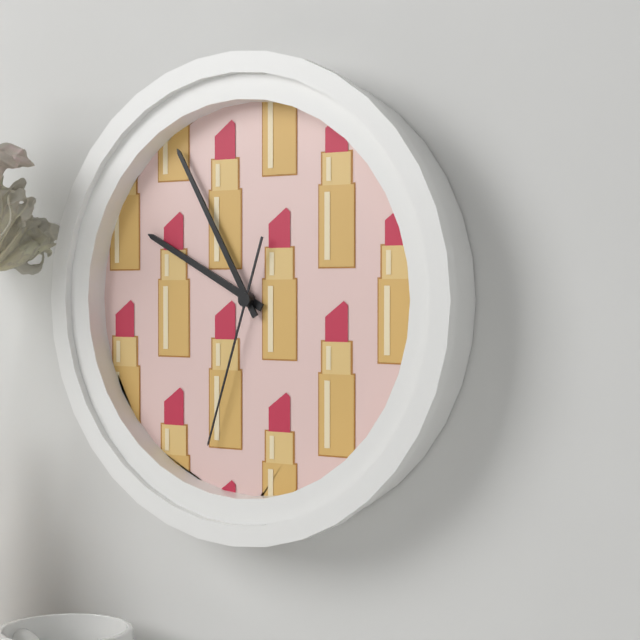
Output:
**9:55:33**
